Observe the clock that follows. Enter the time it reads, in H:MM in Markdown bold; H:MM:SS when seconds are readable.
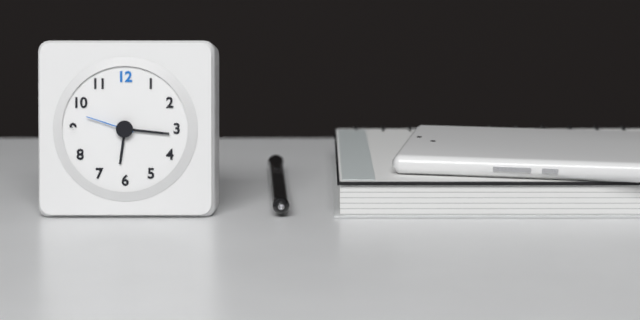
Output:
**6:16:48**
